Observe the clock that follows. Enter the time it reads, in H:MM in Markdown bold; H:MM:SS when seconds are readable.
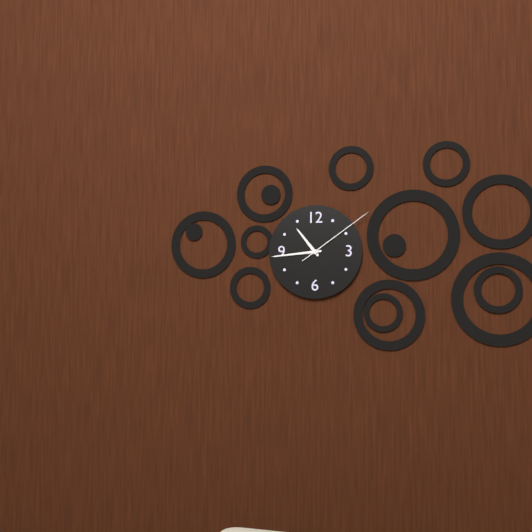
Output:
**10:44:09**
